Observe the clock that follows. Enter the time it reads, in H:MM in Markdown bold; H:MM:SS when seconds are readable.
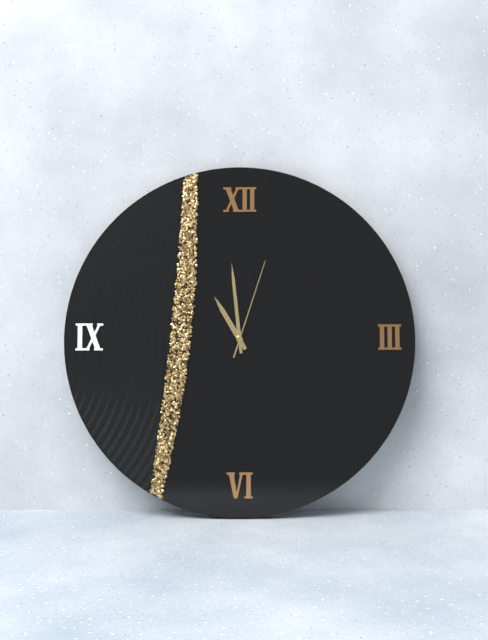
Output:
**10:59:03**
